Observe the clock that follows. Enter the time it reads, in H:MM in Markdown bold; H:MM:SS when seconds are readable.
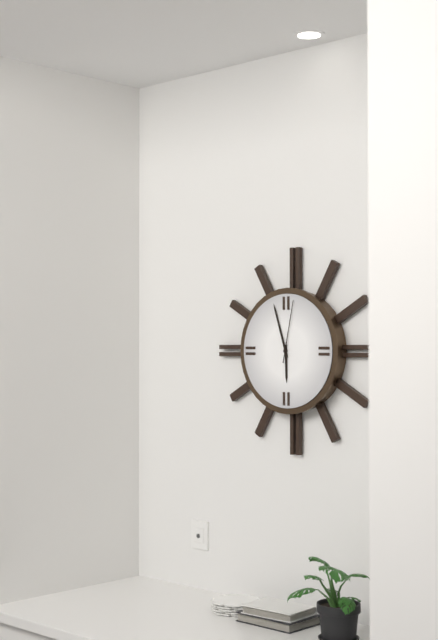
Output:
**5:57:02**
